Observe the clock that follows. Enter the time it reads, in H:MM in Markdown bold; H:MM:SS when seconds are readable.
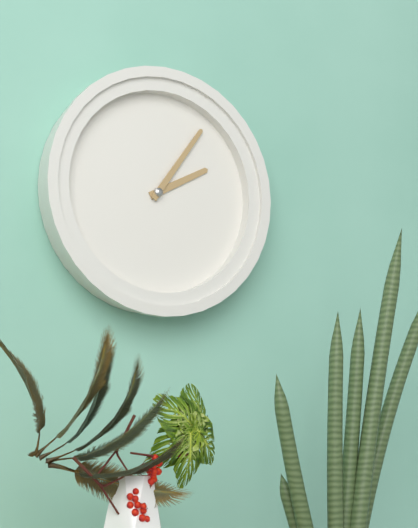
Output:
**2:06**
